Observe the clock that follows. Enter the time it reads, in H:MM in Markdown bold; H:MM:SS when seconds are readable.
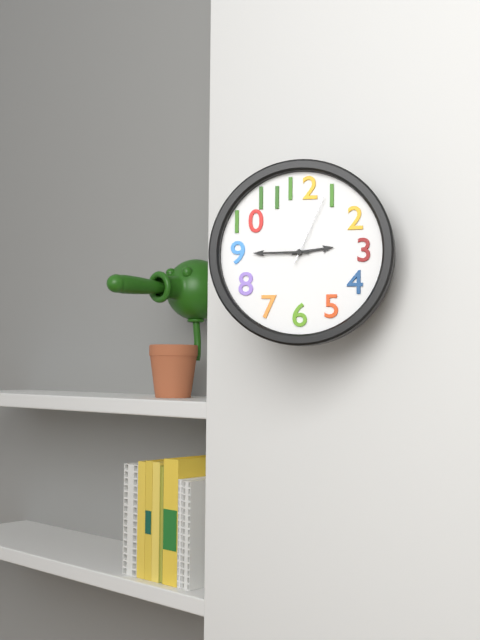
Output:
**2:45:04**
